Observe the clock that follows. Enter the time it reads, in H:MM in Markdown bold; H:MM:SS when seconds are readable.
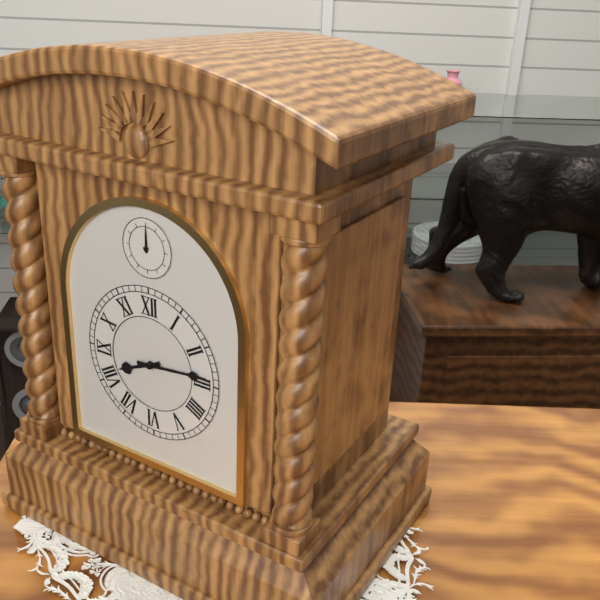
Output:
**8:14**
